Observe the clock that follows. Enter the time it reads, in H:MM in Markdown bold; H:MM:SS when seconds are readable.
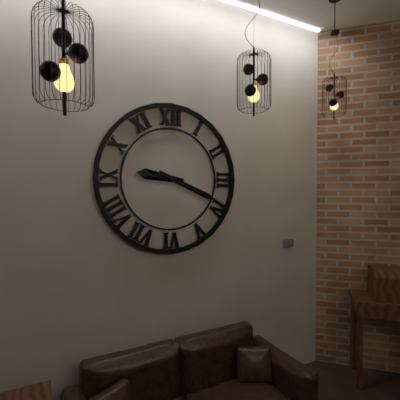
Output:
**9:19**
